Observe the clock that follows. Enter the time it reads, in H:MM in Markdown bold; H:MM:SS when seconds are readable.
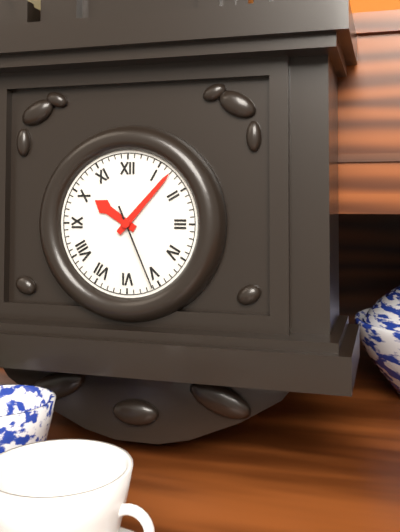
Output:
**10:07:26**
